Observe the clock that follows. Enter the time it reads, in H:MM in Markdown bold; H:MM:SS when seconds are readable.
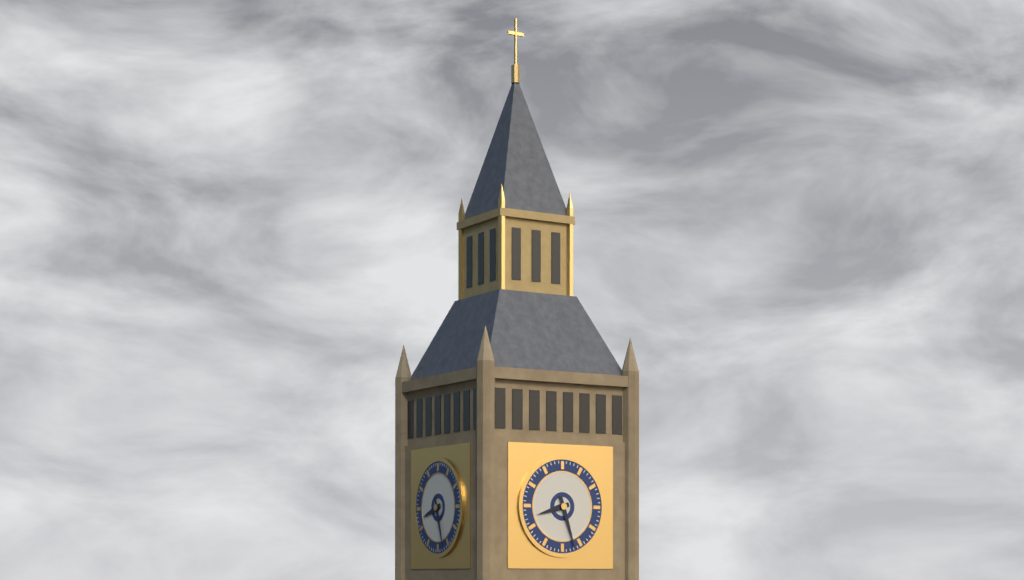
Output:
**8:27**
